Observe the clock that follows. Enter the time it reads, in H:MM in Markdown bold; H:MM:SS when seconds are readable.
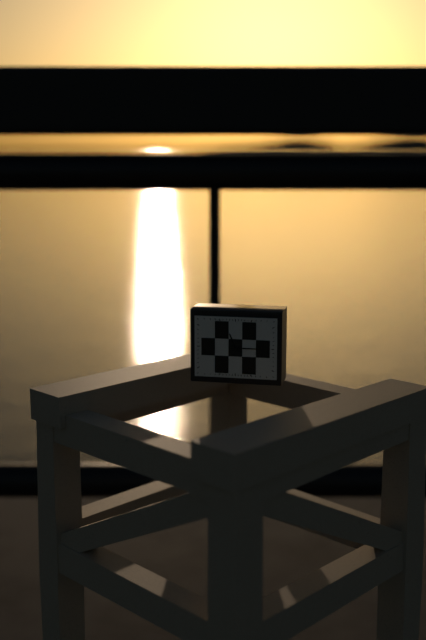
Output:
**11:15**
